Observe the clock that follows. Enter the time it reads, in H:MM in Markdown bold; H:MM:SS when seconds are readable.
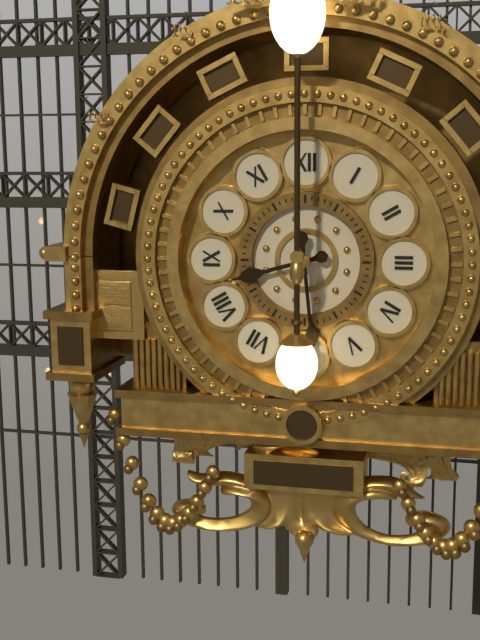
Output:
**8:29**
